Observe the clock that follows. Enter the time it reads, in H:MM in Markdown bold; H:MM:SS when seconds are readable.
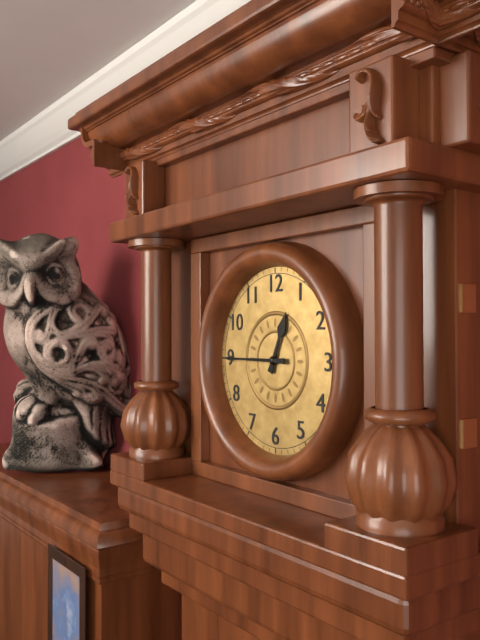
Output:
**12:45**
